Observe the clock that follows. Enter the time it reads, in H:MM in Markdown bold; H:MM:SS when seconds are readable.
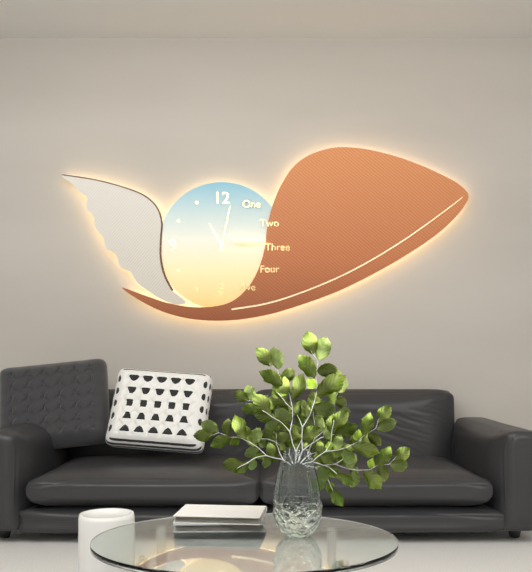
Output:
**11:02**
